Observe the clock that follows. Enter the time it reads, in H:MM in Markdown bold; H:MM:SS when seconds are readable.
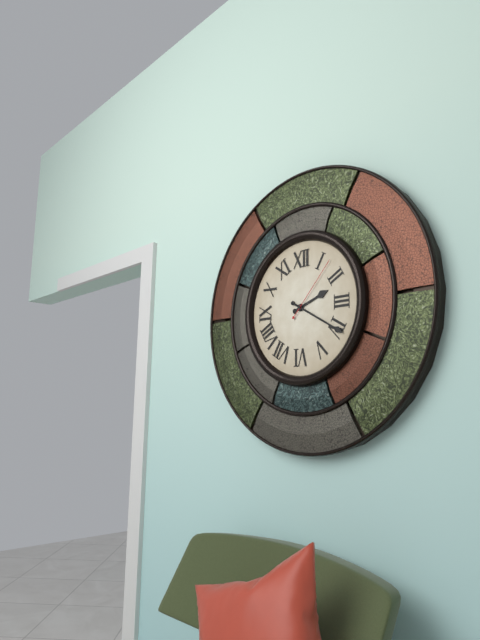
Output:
**2:20:07**
